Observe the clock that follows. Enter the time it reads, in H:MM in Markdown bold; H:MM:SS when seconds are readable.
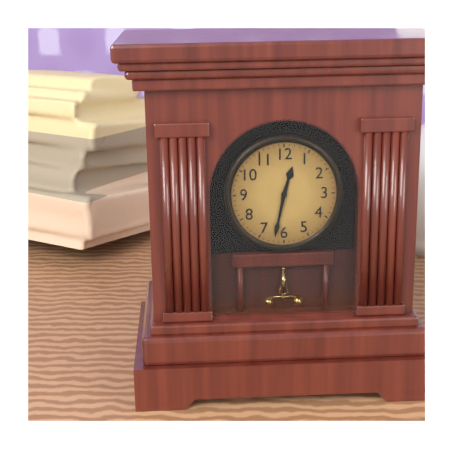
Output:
**12:32**
